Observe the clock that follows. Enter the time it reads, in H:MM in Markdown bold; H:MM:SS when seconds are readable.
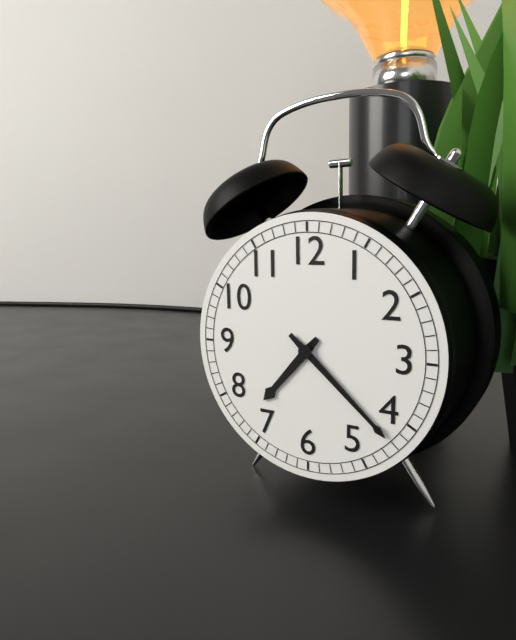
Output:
**7:22**
